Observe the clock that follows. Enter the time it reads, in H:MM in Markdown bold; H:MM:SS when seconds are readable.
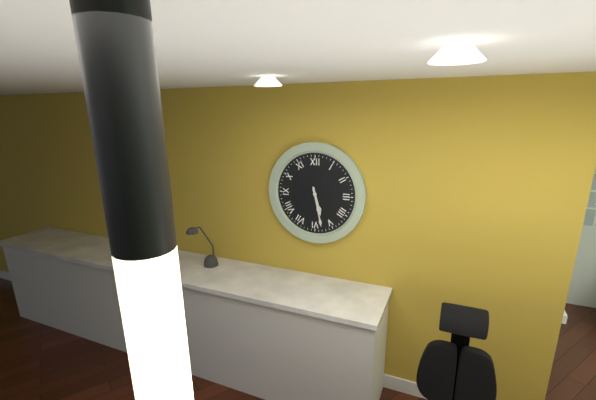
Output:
**5:28**
